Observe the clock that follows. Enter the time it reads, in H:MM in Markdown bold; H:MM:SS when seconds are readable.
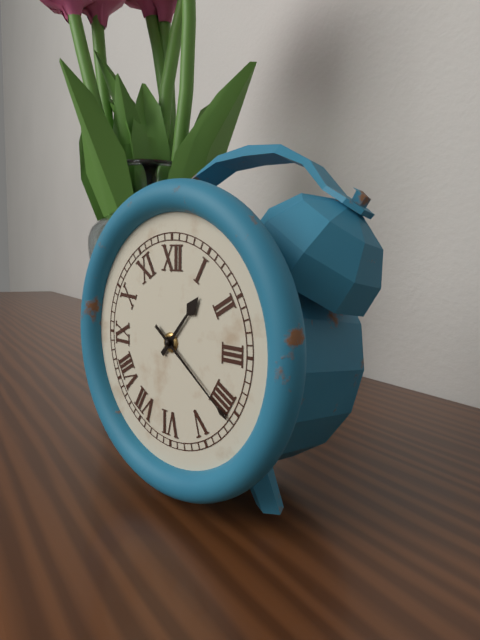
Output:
**1:21**
